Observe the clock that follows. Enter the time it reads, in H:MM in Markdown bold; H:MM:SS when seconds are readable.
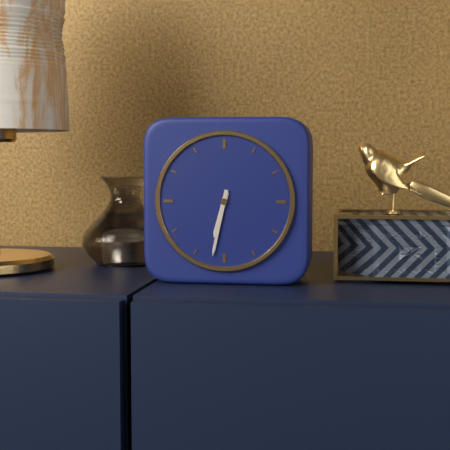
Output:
**6:32**
